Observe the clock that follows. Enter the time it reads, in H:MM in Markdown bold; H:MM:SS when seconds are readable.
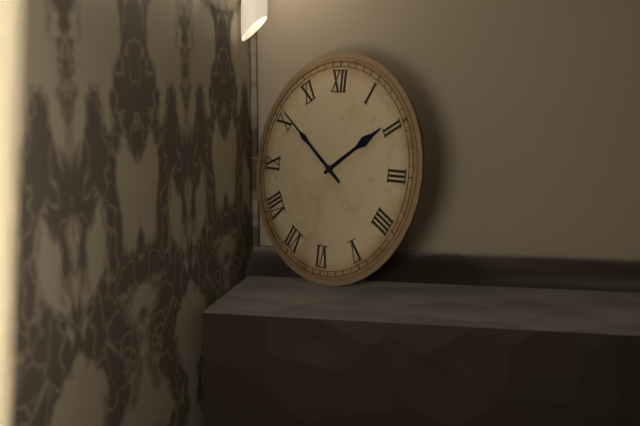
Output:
**1:51**
